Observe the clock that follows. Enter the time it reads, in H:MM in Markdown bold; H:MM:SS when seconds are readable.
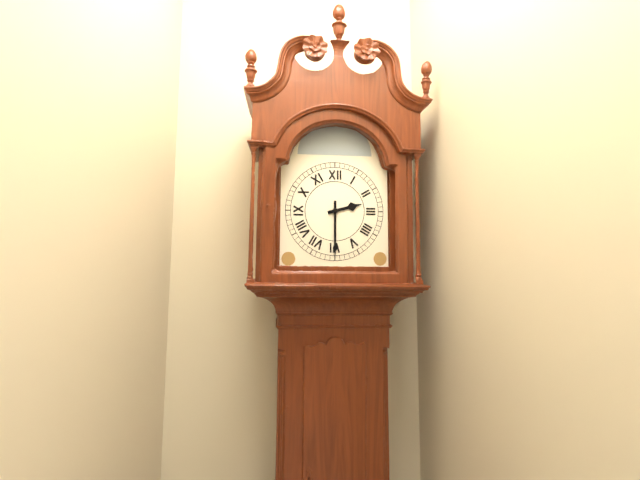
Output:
**2:30**
